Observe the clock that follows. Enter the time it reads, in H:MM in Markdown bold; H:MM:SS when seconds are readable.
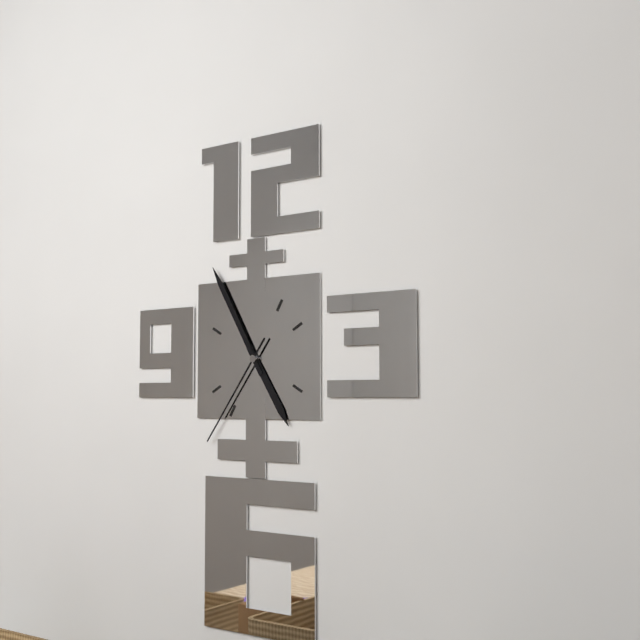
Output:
**4:55:36**
